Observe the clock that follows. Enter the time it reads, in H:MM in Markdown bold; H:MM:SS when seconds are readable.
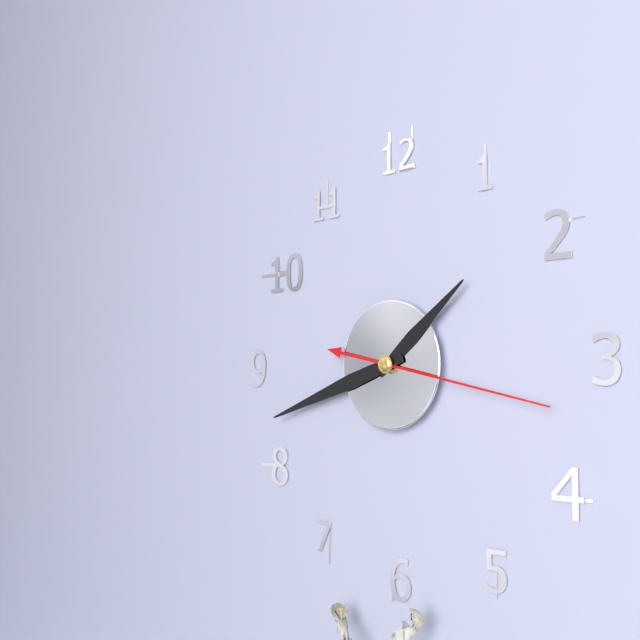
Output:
**1:42:17**
